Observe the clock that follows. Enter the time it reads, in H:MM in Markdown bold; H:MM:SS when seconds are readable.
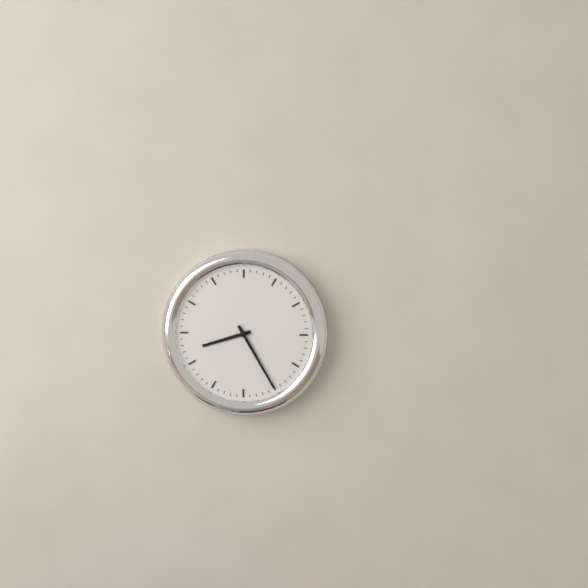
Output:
**8:25**
